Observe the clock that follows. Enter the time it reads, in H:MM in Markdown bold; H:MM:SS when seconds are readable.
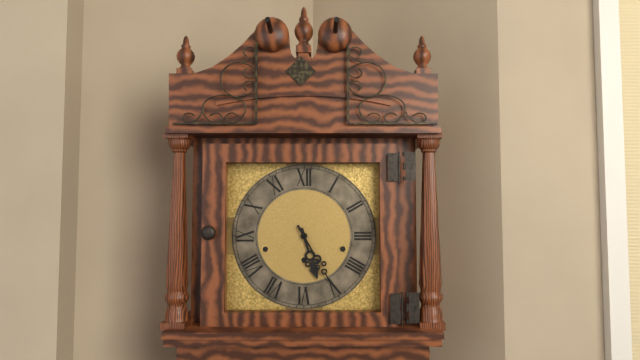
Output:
**5:25**
